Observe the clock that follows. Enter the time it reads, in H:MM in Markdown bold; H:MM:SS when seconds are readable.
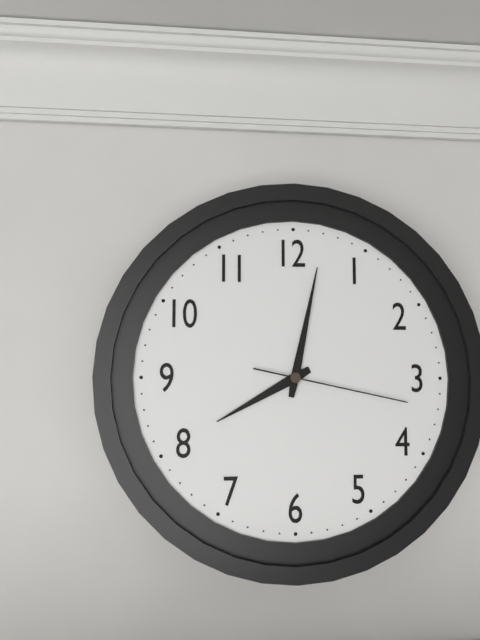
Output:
**8:02:17**
